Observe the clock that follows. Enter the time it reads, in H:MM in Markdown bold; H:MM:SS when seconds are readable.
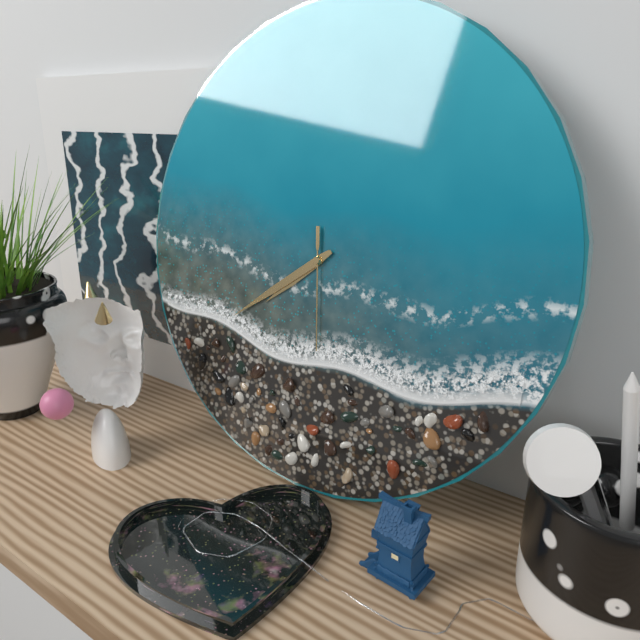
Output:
**7:39:29**
